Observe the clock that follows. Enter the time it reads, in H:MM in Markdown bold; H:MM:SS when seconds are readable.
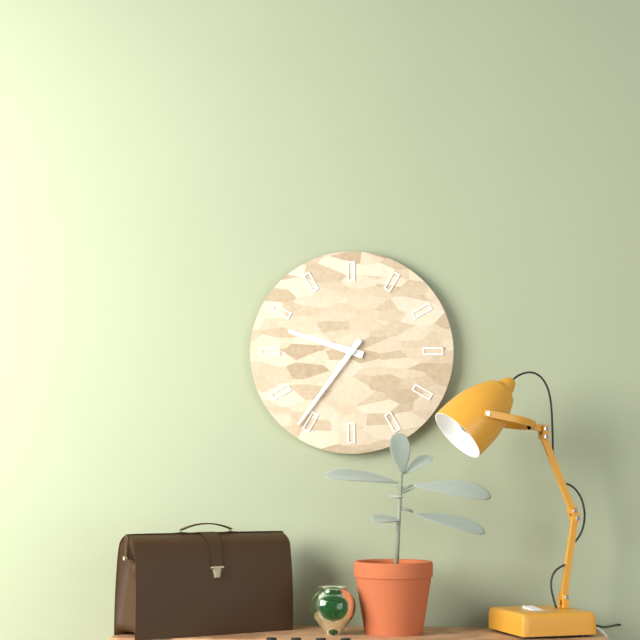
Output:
**9:36**
